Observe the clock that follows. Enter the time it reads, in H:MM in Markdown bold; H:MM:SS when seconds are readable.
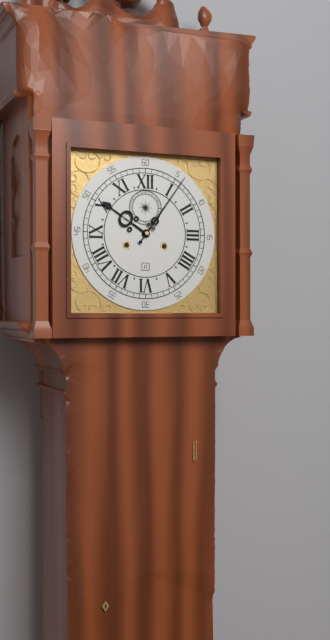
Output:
**10:06**
